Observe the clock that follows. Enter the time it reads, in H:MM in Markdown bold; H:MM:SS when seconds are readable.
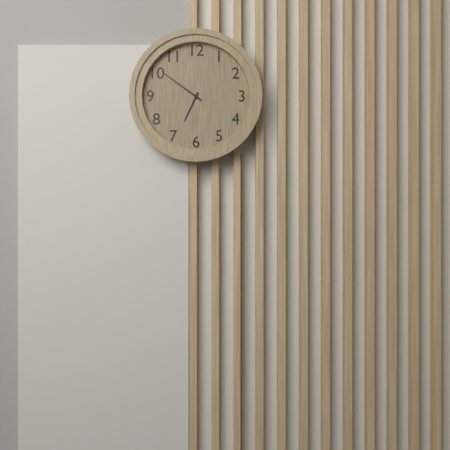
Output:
**6:51**
